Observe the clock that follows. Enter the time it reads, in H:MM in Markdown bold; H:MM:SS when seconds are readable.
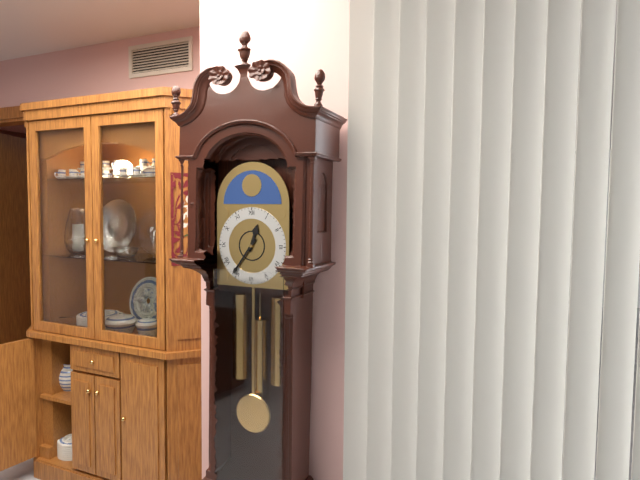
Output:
**12:36**
